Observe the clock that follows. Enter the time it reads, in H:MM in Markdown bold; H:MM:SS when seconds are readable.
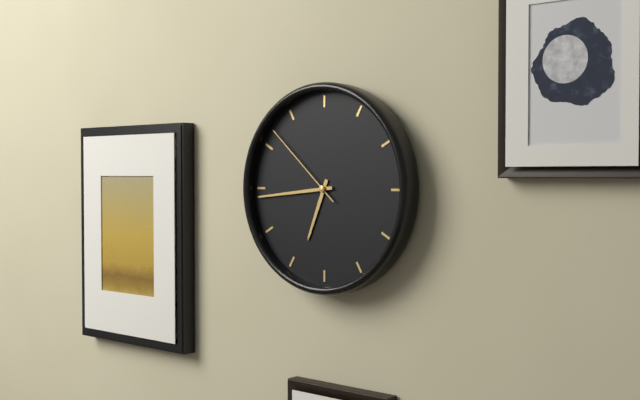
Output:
**6:44:52**
